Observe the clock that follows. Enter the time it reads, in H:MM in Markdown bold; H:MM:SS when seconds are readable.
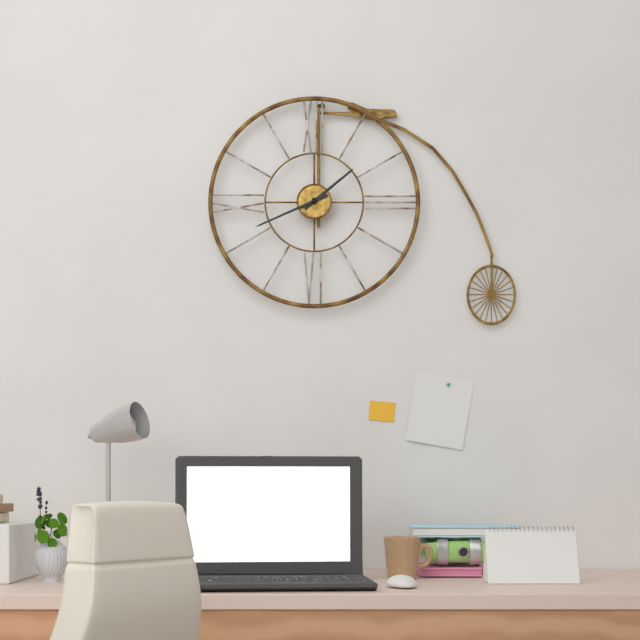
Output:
**1:41**
